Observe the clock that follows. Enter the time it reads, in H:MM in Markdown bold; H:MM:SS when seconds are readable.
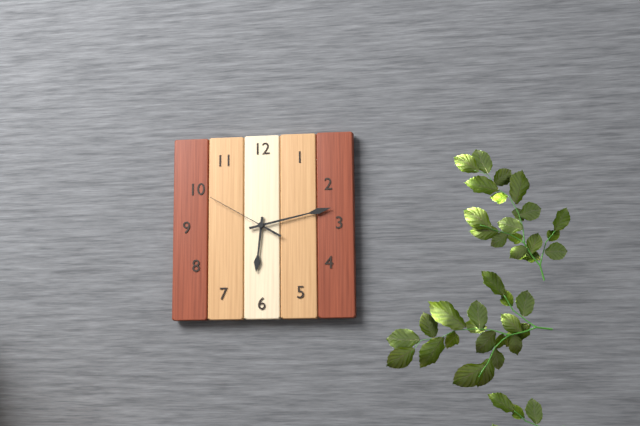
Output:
**6:13:50**
